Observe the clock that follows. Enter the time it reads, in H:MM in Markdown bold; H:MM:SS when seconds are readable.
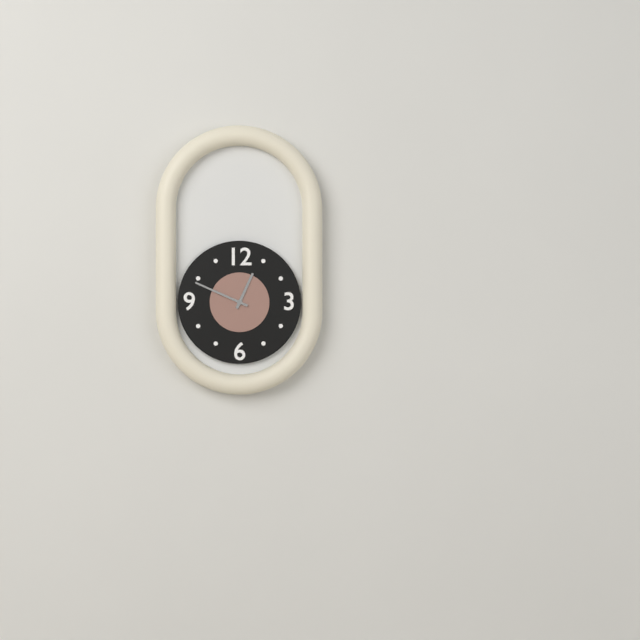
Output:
**12:49**
